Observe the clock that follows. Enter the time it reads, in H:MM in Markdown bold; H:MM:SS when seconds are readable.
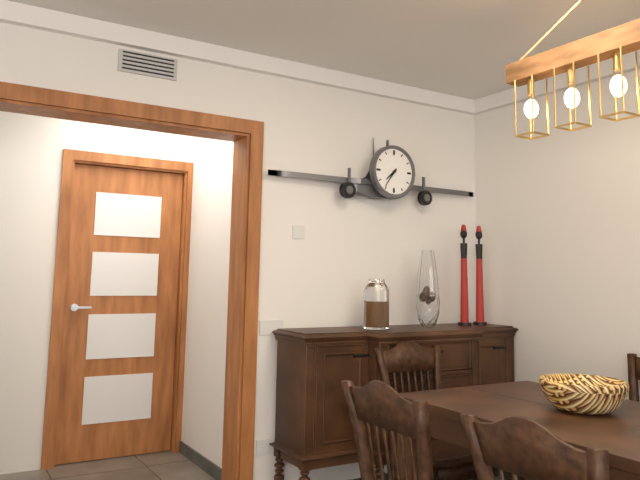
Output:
**7:36**
